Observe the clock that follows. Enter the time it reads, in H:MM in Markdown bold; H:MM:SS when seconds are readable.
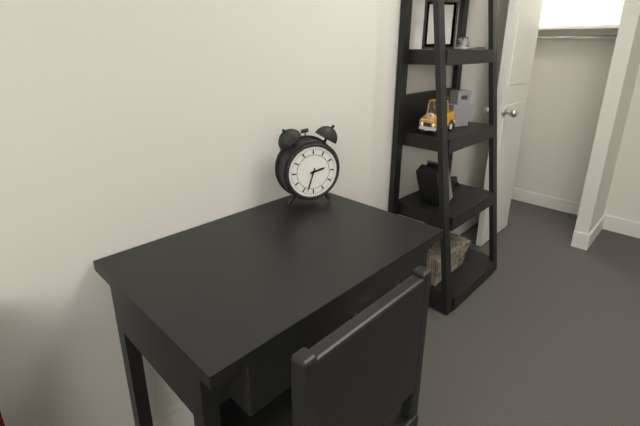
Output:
**2:33**
